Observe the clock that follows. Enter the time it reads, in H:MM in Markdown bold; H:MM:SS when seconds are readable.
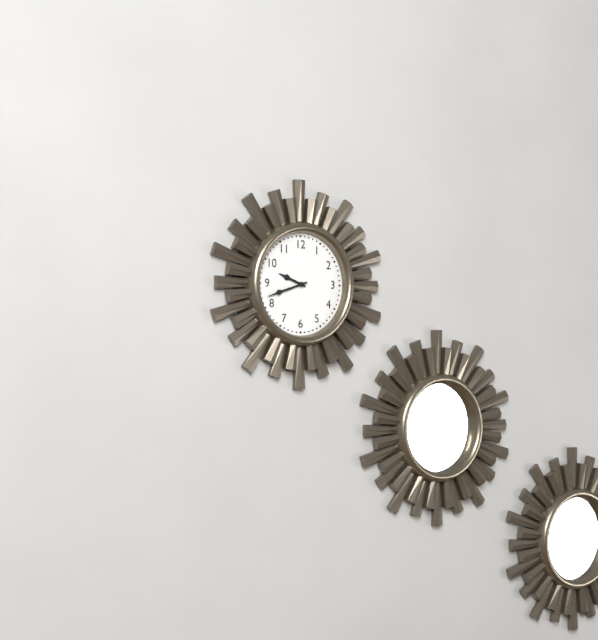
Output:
**9:42**
